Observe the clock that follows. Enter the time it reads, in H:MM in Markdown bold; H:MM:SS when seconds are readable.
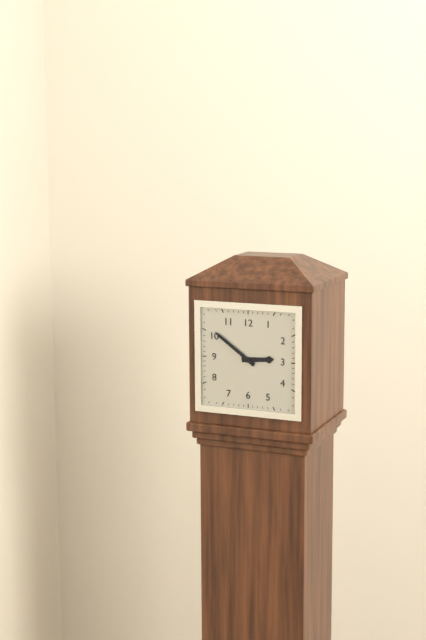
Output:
**2:51**
